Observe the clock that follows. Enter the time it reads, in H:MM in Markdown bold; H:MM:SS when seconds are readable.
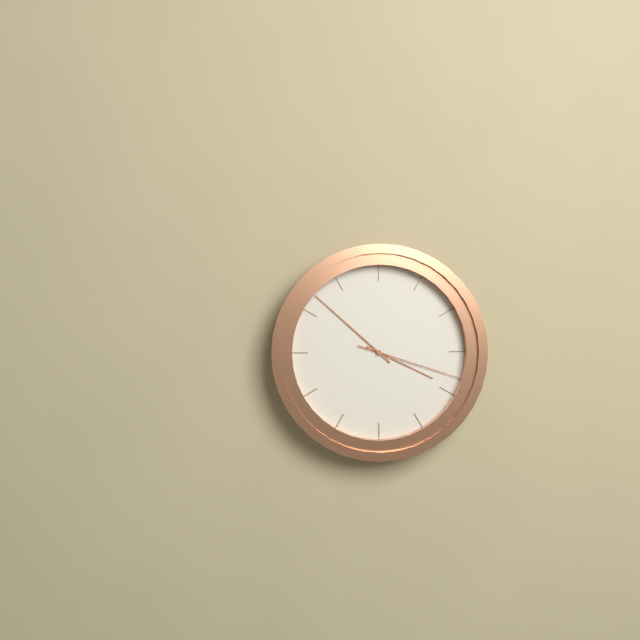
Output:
**3:52:18**
